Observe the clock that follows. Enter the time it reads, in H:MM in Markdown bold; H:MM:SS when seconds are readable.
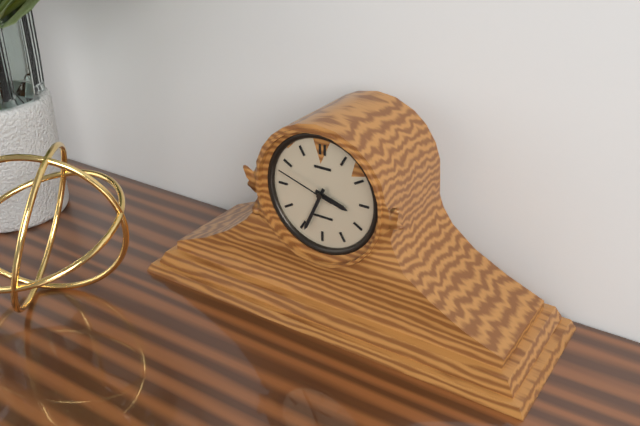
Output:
**3:34:48**
